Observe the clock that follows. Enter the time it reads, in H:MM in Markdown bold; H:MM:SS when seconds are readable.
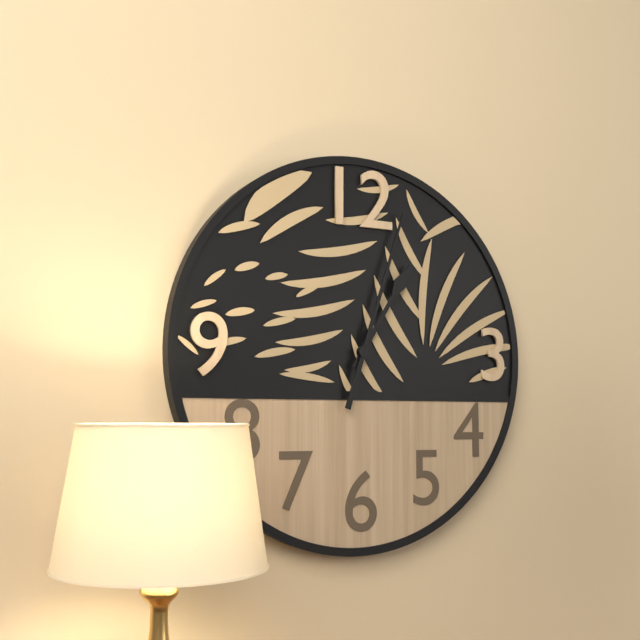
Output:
**1:03**
